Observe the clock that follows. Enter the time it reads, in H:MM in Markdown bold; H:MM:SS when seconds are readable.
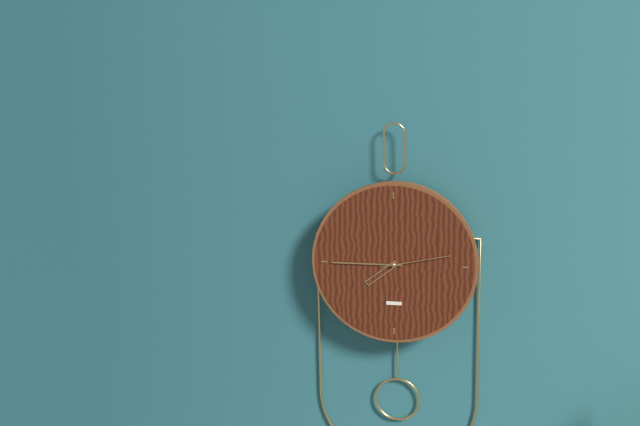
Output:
**7:45:13**
